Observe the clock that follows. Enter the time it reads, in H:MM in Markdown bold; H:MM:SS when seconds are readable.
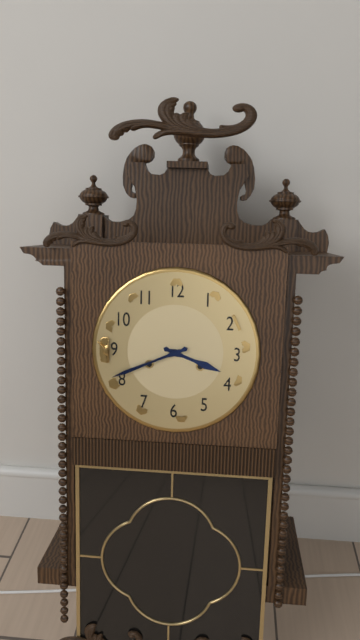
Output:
**3:41**
